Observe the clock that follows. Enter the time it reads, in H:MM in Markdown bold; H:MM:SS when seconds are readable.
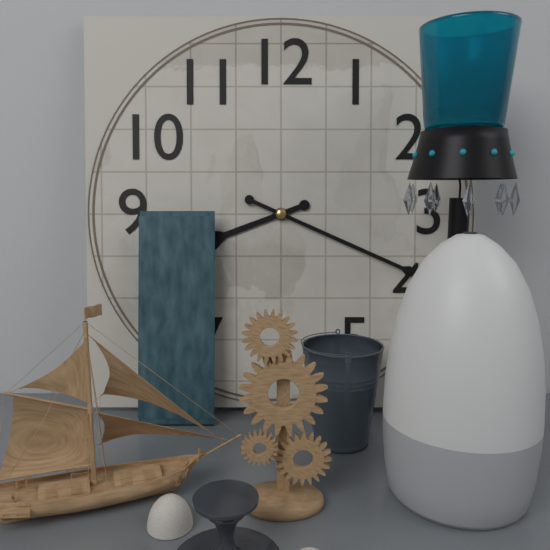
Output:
**8:19**
